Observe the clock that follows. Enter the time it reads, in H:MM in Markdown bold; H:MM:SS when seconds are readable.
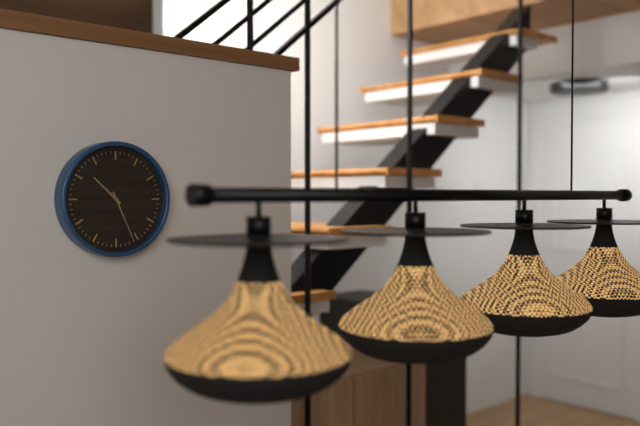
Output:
**10:26**
